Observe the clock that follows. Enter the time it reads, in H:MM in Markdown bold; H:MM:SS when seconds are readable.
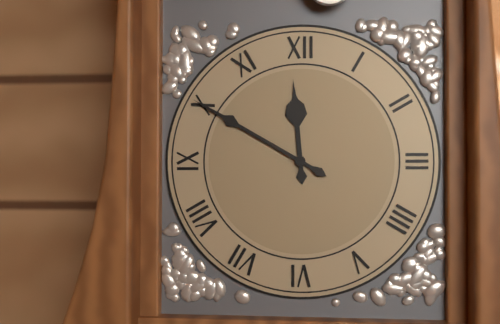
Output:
**11:50**
